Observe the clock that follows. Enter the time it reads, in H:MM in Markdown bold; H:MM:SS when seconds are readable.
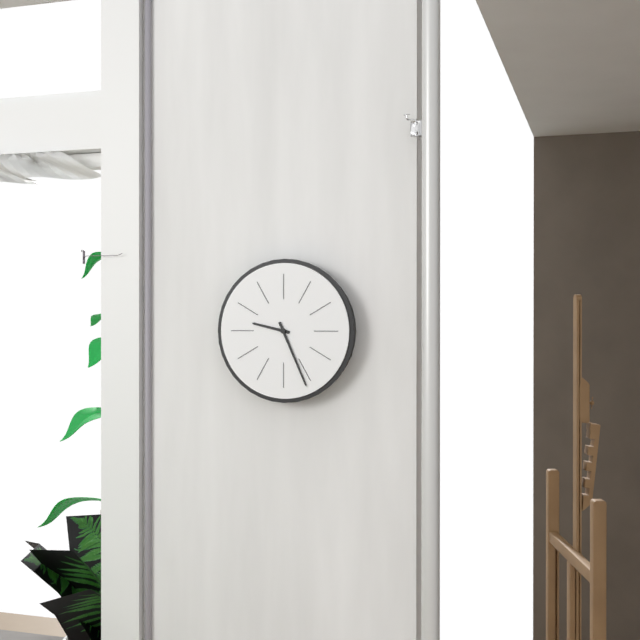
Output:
**9:26**
